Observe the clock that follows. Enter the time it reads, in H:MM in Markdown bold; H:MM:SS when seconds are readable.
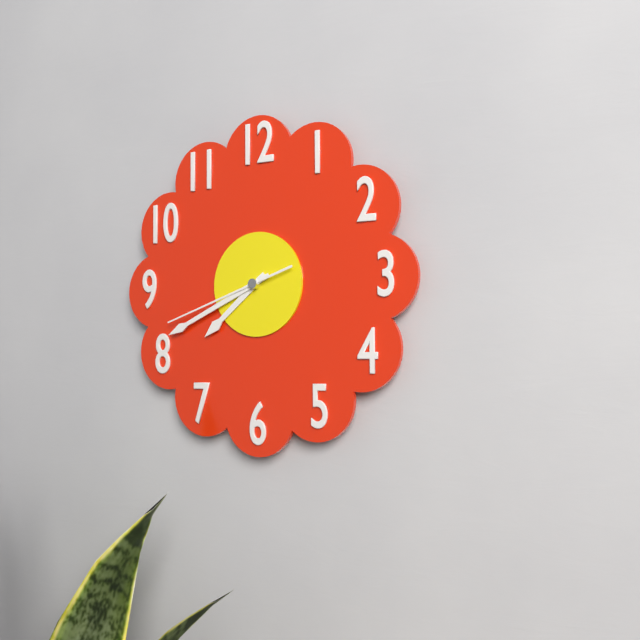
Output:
**7:41:42**
